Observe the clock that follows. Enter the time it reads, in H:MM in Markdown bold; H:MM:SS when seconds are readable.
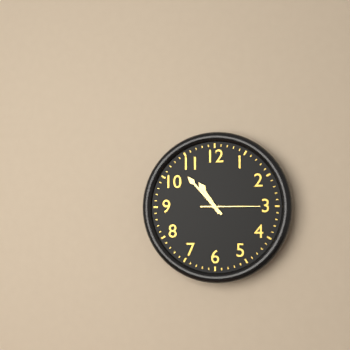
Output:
**10:53:15**
